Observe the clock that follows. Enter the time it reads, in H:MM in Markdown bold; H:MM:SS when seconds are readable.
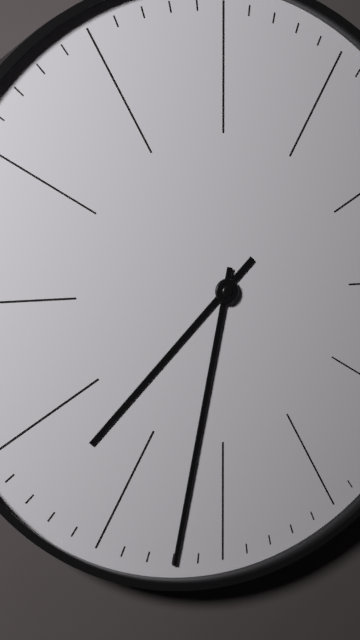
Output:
**7:32**
